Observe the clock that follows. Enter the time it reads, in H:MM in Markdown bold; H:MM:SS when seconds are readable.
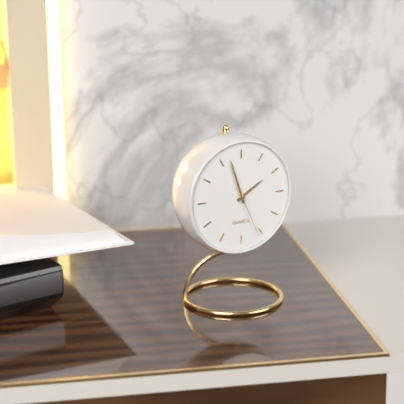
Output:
**1:57:26**
